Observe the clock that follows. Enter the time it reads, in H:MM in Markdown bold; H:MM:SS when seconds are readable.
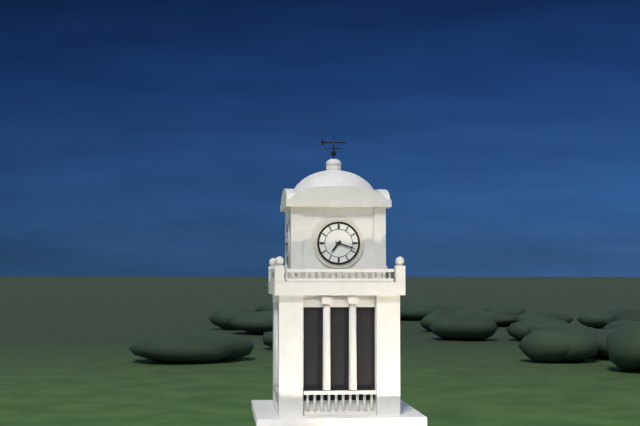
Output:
**7:18**
